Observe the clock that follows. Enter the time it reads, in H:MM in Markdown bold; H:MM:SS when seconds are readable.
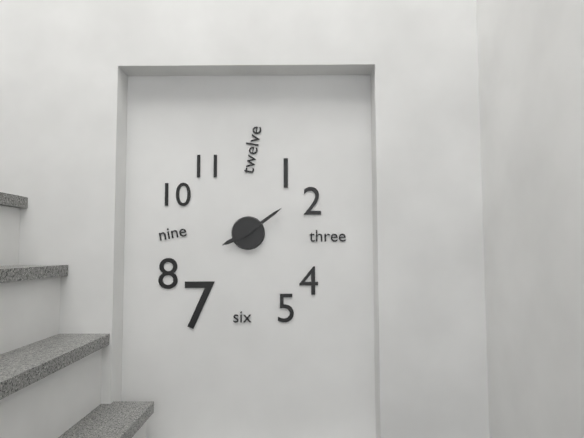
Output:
**8:09**
